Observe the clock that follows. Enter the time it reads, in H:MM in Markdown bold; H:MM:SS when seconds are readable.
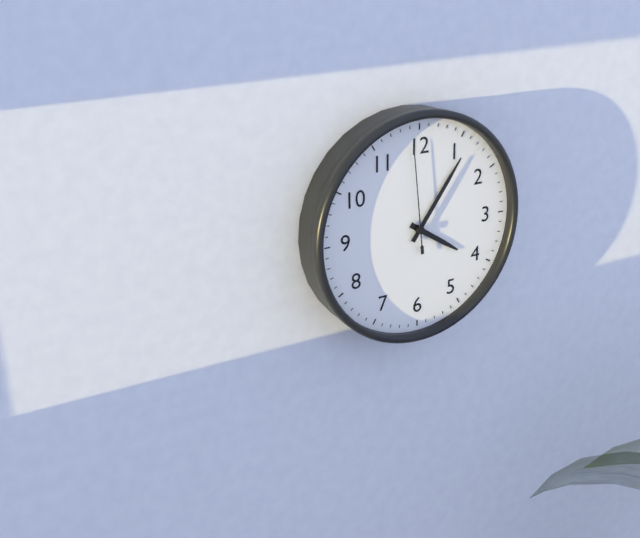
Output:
**4:06:59**
